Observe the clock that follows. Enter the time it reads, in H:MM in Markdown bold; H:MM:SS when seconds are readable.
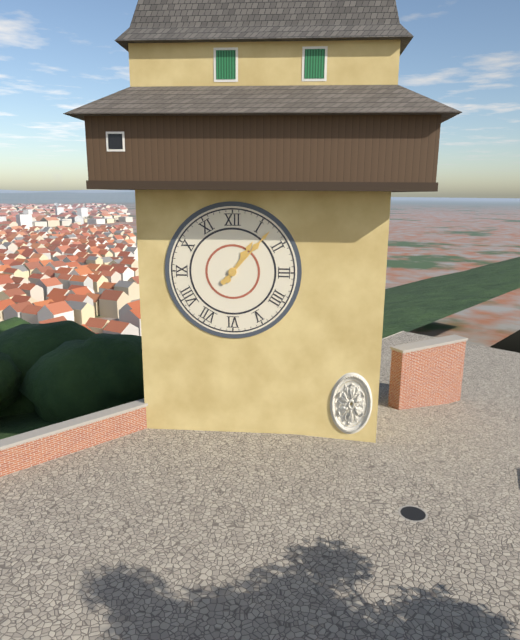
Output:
**1:07**
